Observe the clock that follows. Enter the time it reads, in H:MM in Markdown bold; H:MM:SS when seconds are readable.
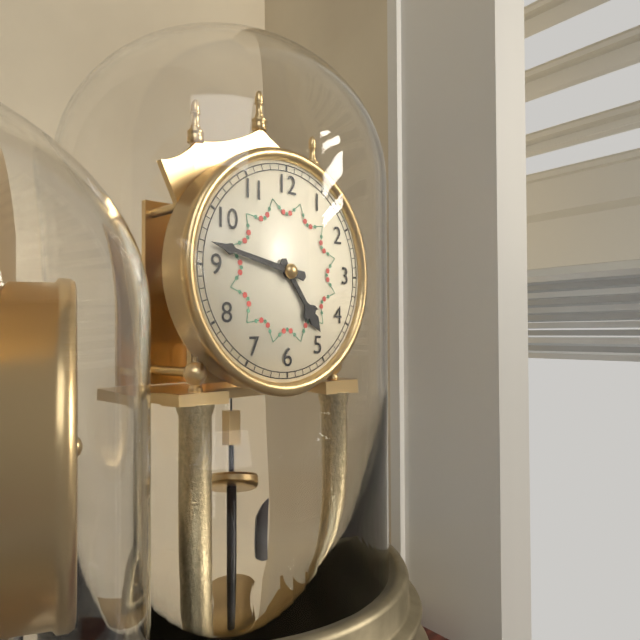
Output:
**4:47**
